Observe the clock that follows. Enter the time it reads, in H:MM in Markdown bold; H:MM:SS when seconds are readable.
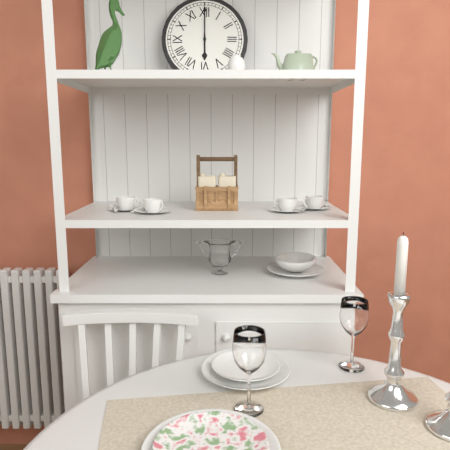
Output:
**6:00**
